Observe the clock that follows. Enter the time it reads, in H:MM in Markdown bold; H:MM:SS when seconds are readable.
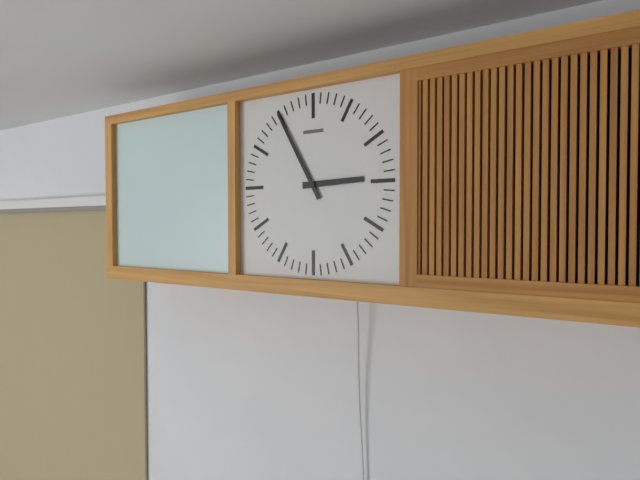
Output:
**2:55**
